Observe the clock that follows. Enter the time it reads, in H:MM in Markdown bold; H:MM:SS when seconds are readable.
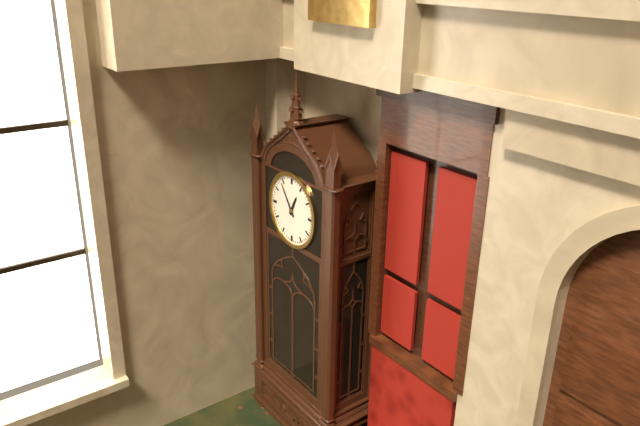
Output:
**12:54**
